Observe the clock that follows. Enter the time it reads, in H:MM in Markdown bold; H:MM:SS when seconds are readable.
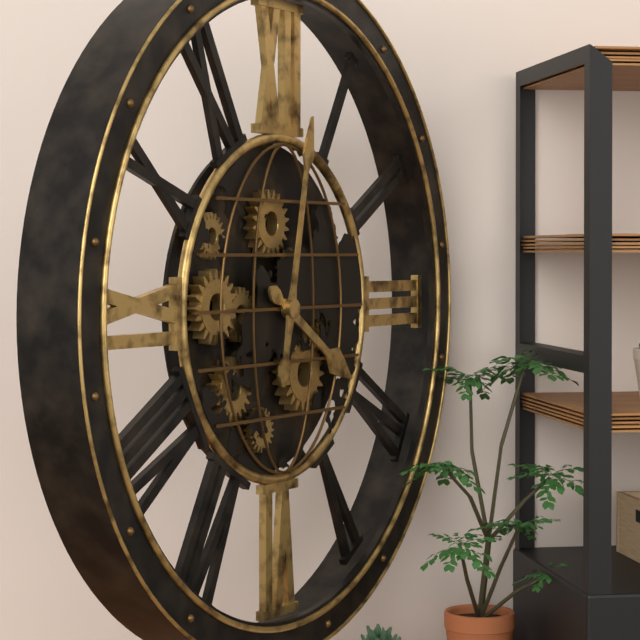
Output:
**4:02**
